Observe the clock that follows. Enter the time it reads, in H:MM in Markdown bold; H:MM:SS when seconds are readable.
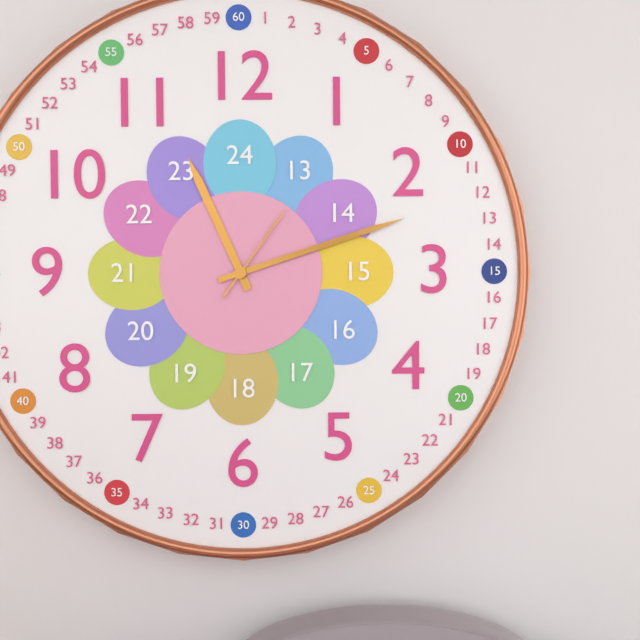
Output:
**11:12:06**
